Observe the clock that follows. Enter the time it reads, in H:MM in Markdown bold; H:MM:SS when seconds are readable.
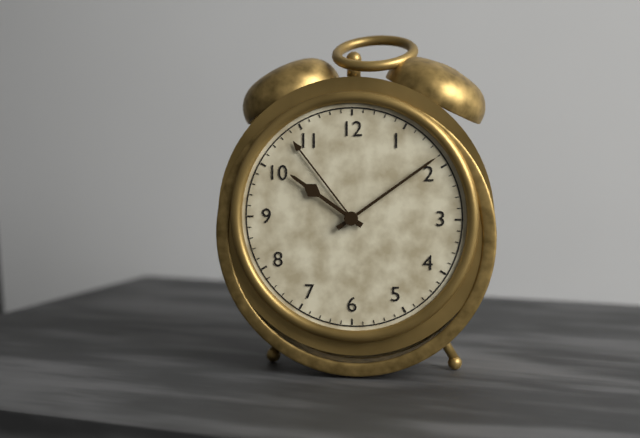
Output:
**10:09**
